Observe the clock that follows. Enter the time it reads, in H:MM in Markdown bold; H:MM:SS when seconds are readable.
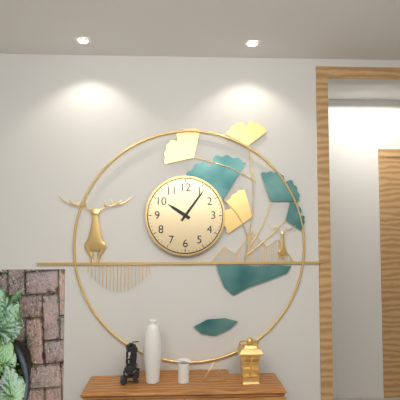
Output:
**10:06**
